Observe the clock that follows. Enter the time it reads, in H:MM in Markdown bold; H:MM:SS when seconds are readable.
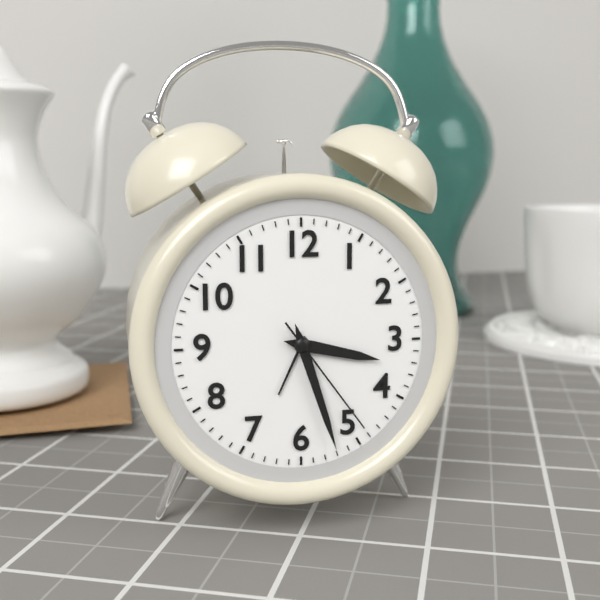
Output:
**3:27:24**
